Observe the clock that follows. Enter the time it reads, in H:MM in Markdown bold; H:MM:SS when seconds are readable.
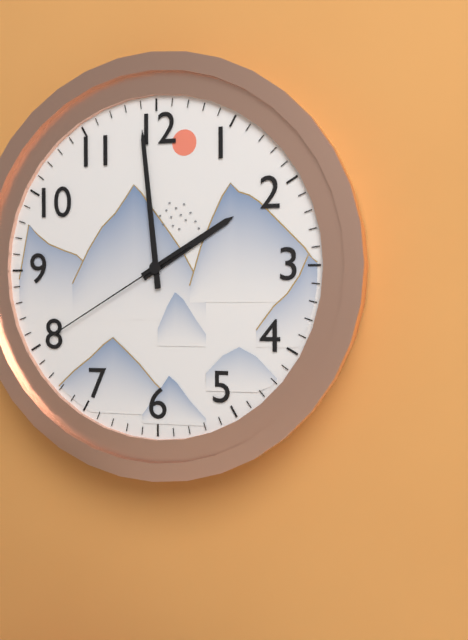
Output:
**1:59:40**
